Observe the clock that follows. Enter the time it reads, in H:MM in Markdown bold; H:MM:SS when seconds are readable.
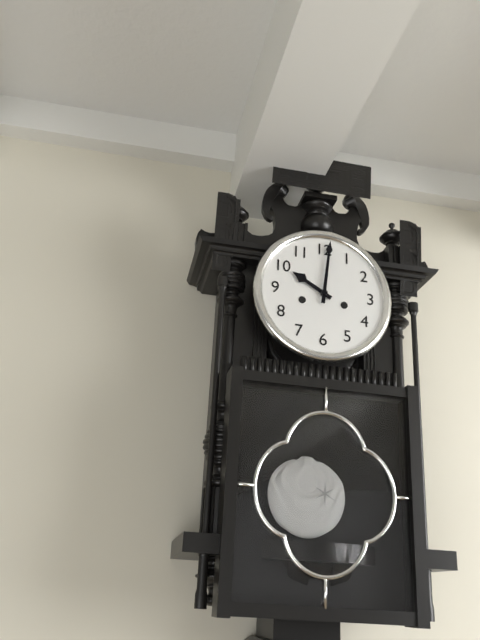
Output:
**10:01**
